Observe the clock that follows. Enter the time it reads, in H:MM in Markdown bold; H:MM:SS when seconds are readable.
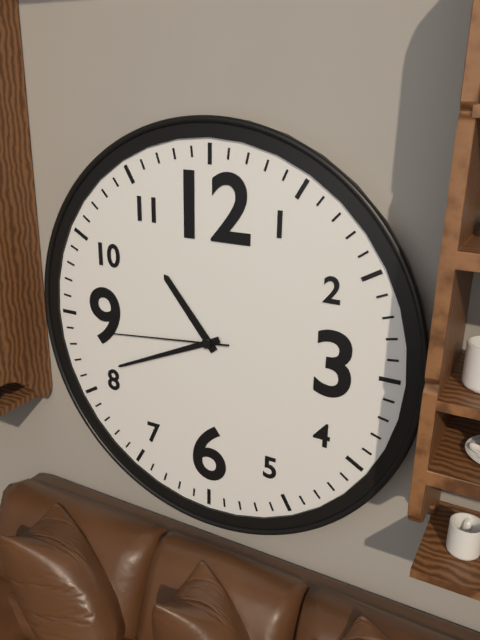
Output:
**10:41:44**
